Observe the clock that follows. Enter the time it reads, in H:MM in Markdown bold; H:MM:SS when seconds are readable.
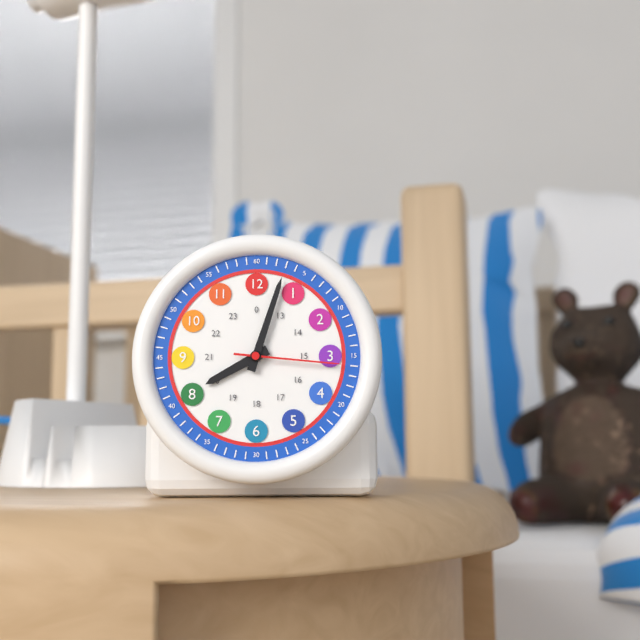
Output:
**8:03:16**
